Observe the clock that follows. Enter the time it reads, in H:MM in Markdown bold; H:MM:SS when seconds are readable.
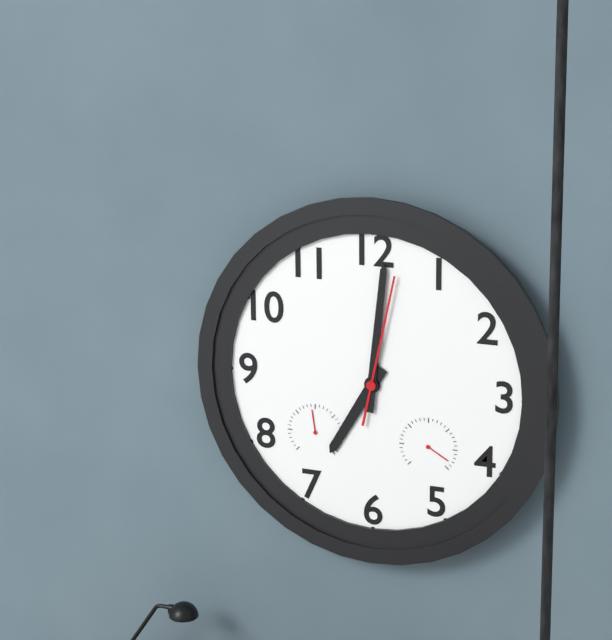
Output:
**7:01:02**
